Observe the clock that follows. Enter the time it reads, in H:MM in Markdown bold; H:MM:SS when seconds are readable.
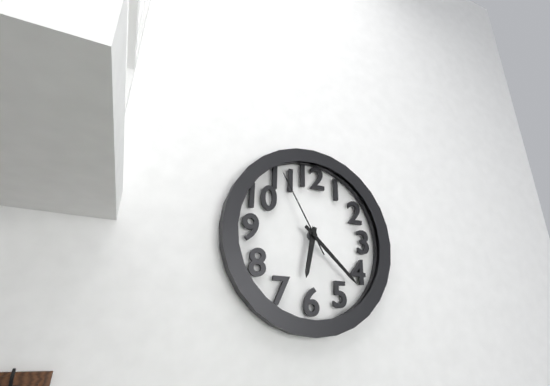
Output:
**6:22:55**
